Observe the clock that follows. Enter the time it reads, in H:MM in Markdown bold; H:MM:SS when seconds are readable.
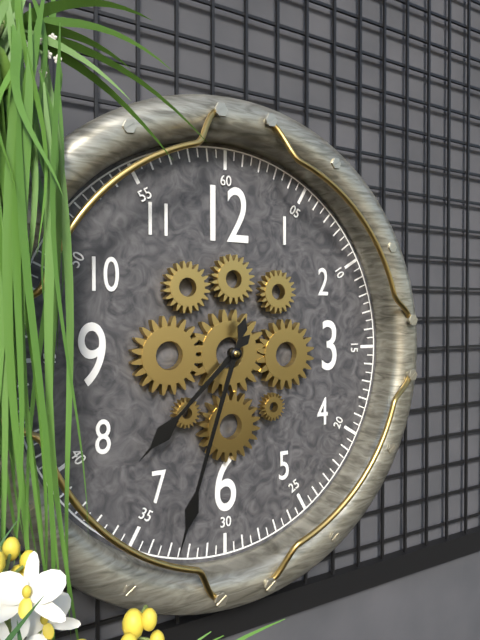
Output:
**7:33**
